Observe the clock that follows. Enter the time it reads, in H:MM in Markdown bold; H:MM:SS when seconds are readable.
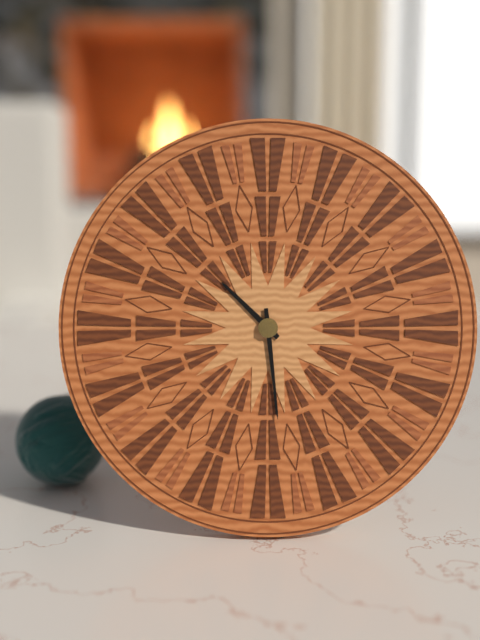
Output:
**10:29**
